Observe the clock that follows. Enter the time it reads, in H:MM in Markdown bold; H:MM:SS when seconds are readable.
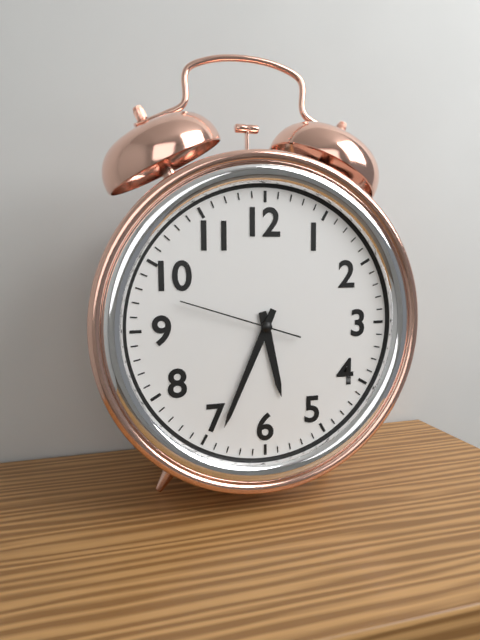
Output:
**5:34:48**
